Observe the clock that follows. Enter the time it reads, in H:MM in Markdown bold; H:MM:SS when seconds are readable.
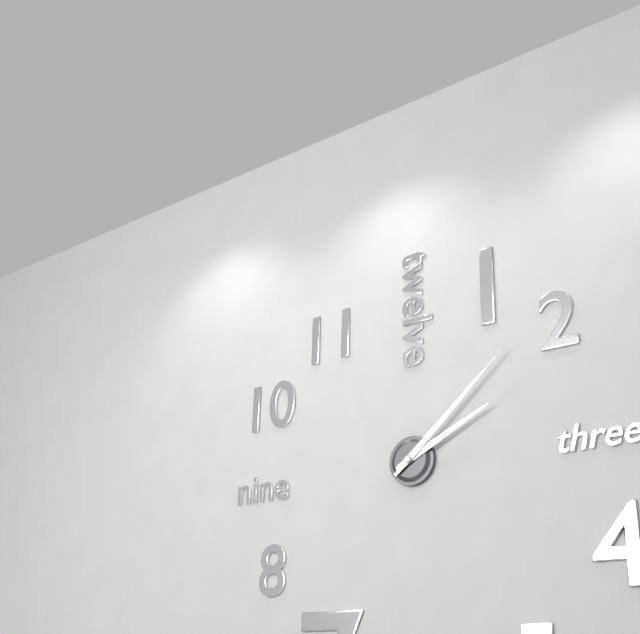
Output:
**2:08**
